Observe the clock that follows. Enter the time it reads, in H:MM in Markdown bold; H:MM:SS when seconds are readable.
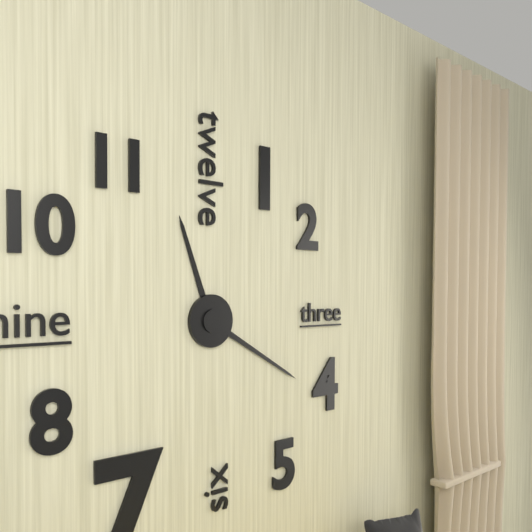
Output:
**11:20**
